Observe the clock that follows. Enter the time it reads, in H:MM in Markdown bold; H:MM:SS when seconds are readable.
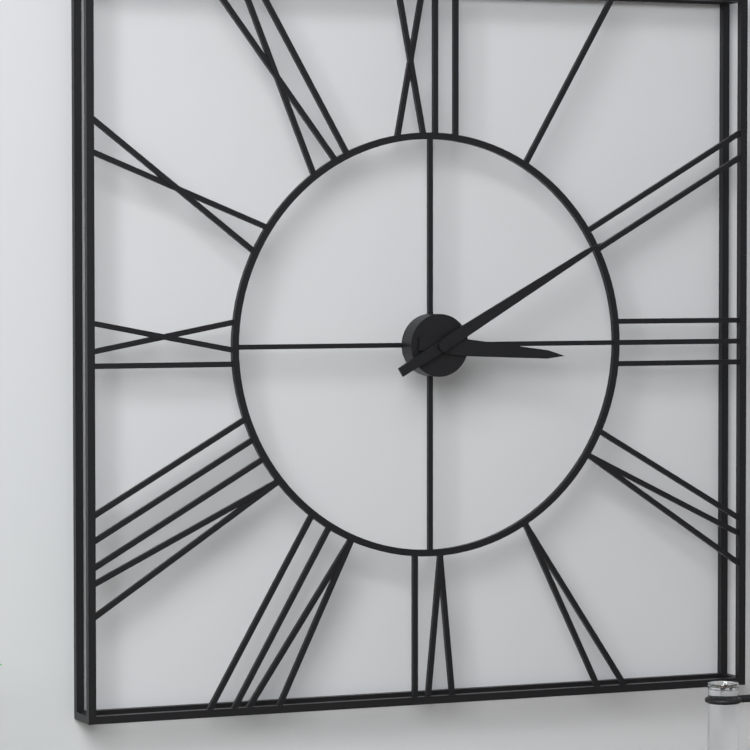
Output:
**3:10**
